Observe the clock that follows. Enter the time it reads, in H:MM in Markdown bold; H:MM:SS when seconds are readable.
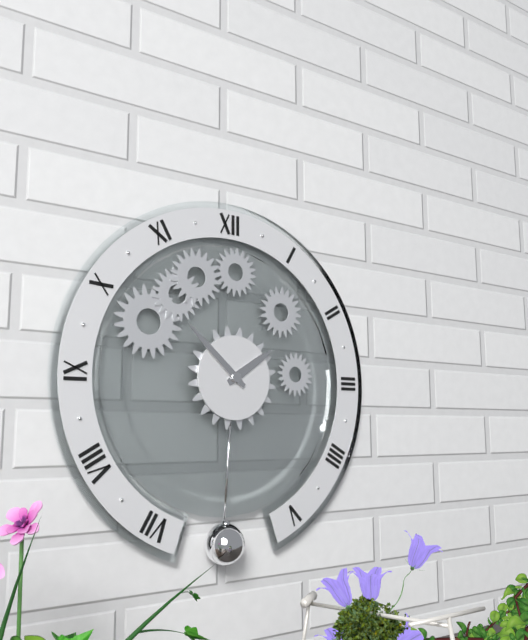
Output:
**1:52**
